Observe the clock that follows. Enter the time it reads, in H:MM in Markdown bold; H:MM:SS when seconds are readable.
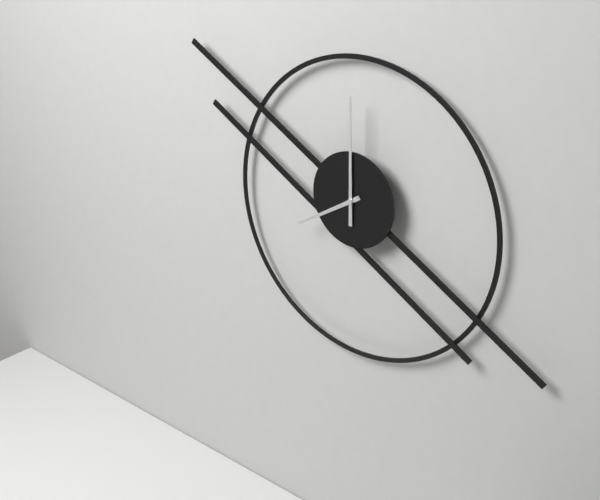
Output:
**8:00**
